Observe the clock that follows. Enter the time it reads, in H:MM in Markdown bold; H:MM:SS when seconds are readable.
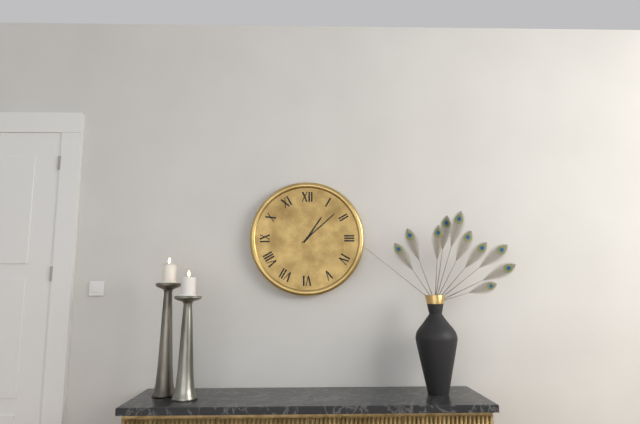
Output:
**1:08**
